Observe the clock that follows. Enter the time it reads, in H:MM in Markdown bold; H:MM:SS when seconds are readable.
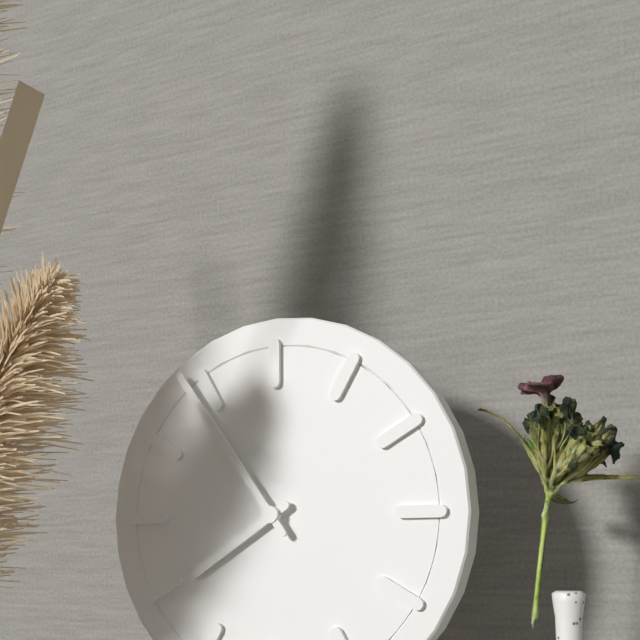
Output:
**7:54**
